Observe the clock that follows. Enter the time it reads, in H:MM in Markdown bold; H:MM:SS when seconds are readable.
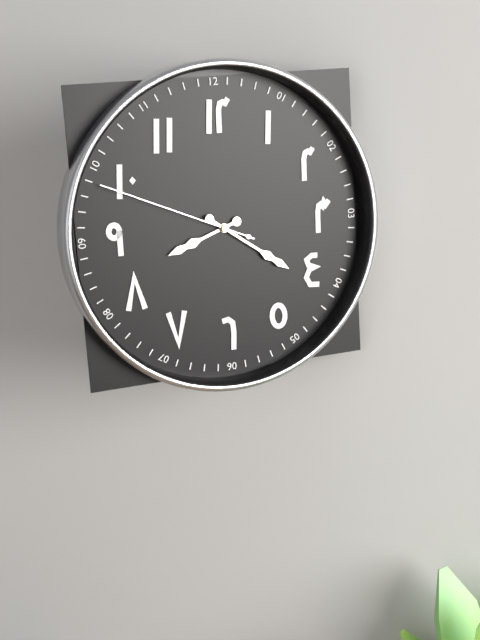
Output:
**8:21:49**
